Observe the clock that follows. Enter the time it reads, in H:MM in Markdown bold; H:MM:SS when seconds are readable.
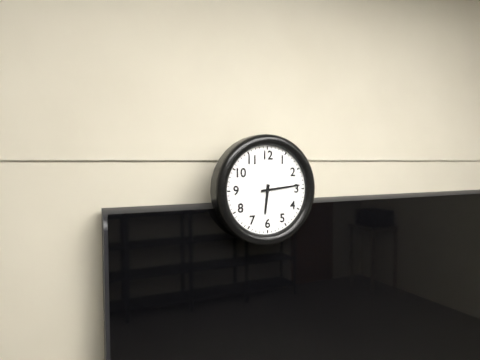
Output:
**6:14**
